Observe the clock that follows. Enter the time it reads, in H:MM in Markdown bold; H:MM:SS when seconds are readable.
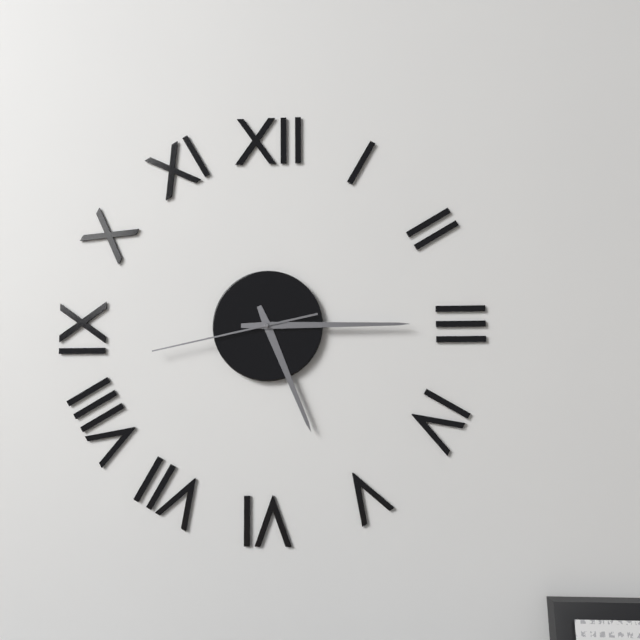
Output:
**5:15:43**
